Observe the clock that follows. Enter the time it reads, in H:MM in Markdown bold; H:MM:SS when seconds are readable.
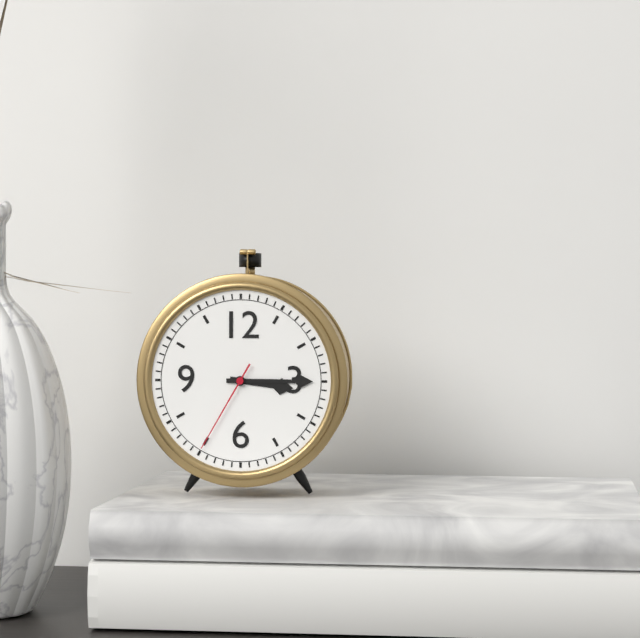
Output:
**3:15:35**
